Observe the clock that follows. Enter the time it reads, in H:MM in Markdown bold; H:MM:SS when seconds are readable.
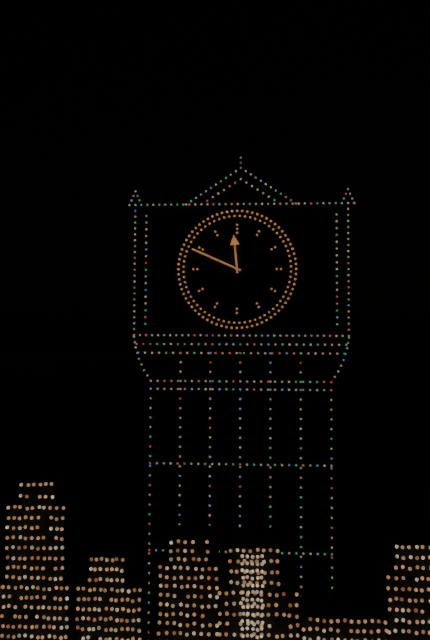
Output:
**11:49**
